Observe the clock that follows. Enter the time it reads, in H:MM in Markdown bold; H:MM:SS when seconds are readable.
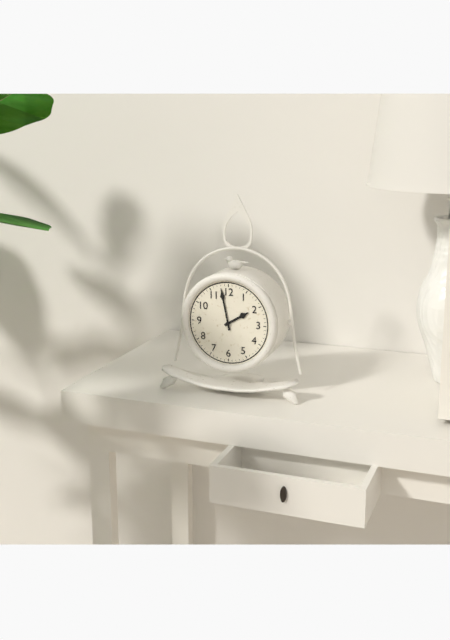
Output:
**1:58**
